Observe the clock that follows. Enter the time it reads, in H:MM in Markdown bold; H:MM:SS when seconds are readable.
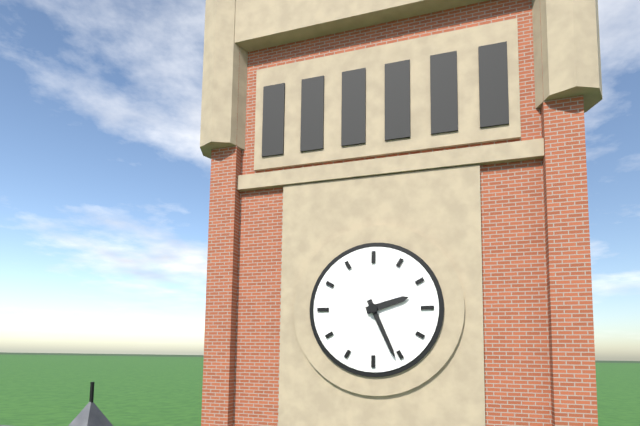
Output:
**2:26**
